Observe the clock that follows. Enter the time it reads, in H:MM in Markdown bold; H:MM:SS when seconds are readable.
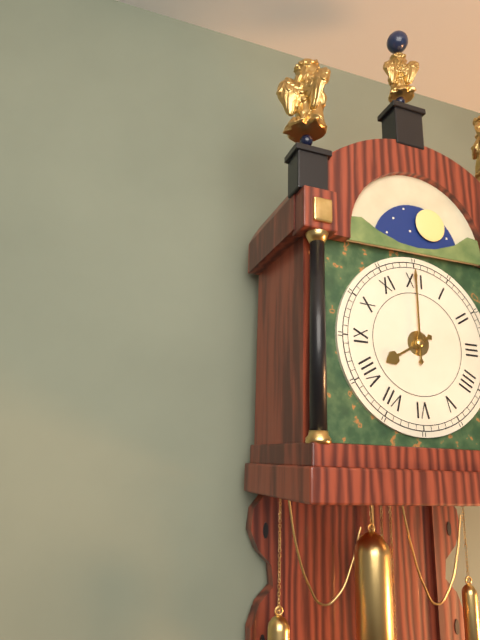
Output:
**8:00**
